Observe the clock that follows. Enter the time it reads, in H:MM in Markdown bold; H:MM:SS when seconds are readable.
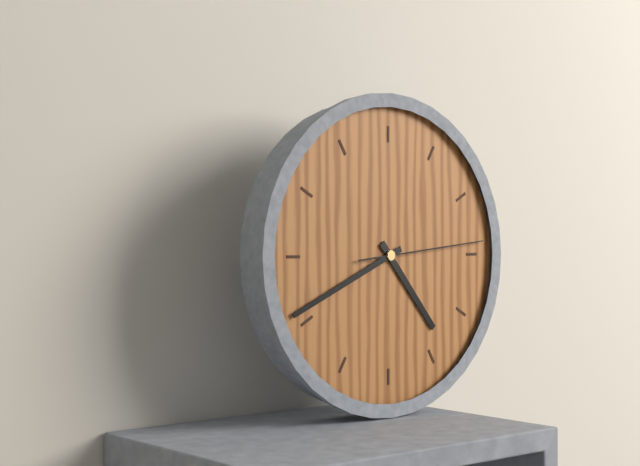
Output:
**4:41:14**
